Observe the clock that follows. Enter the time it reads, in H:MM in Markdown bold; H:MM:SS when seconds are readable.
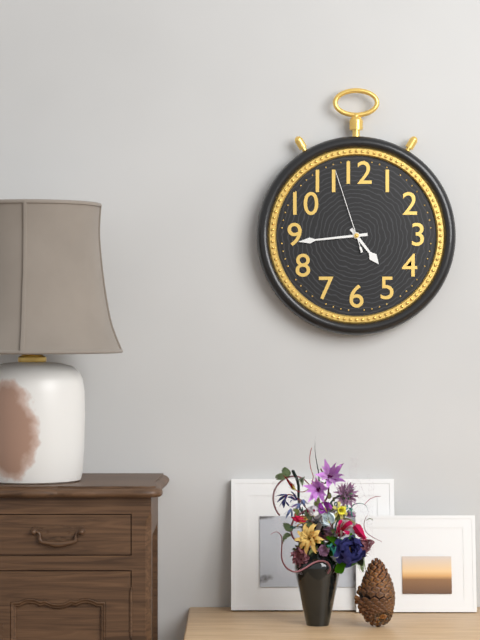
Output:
**4:44:57**
